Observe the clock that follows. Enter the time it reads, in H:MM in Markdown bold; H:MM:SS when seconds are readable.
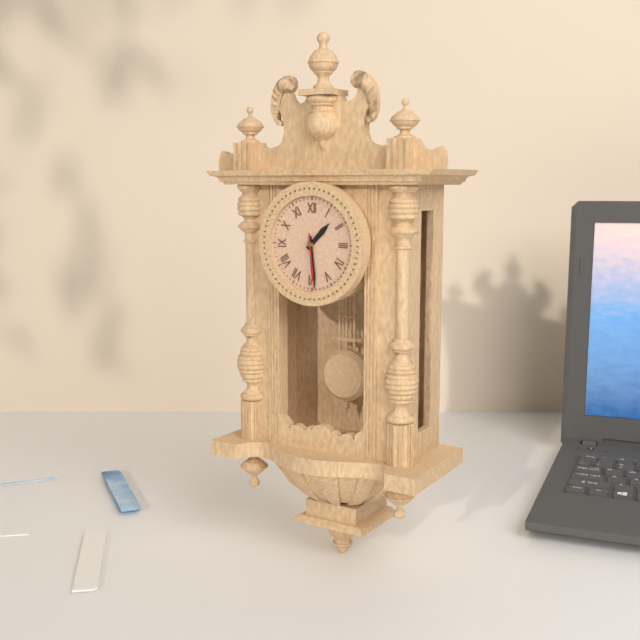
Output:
**1:29:29**
